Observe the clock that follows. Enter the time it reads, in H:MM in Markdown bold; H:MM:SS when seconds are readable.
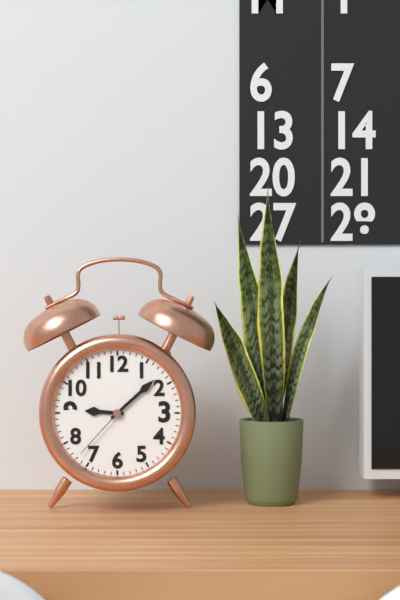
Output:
**9:08:37**
